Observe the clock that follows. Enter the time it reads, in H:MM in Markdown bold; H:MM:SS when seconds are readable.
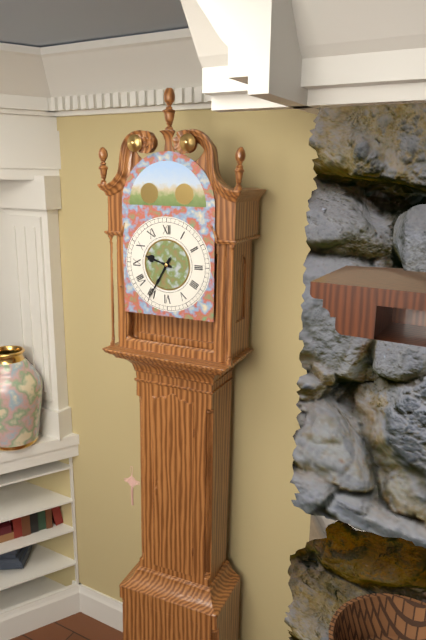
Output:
**9:35**
